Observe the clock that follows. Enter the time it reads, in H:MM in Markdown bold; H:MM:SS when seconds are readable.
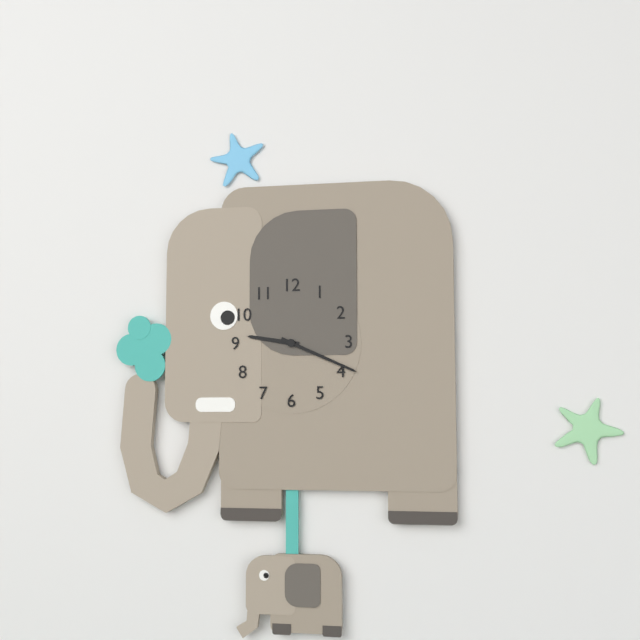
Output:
**9:19**
